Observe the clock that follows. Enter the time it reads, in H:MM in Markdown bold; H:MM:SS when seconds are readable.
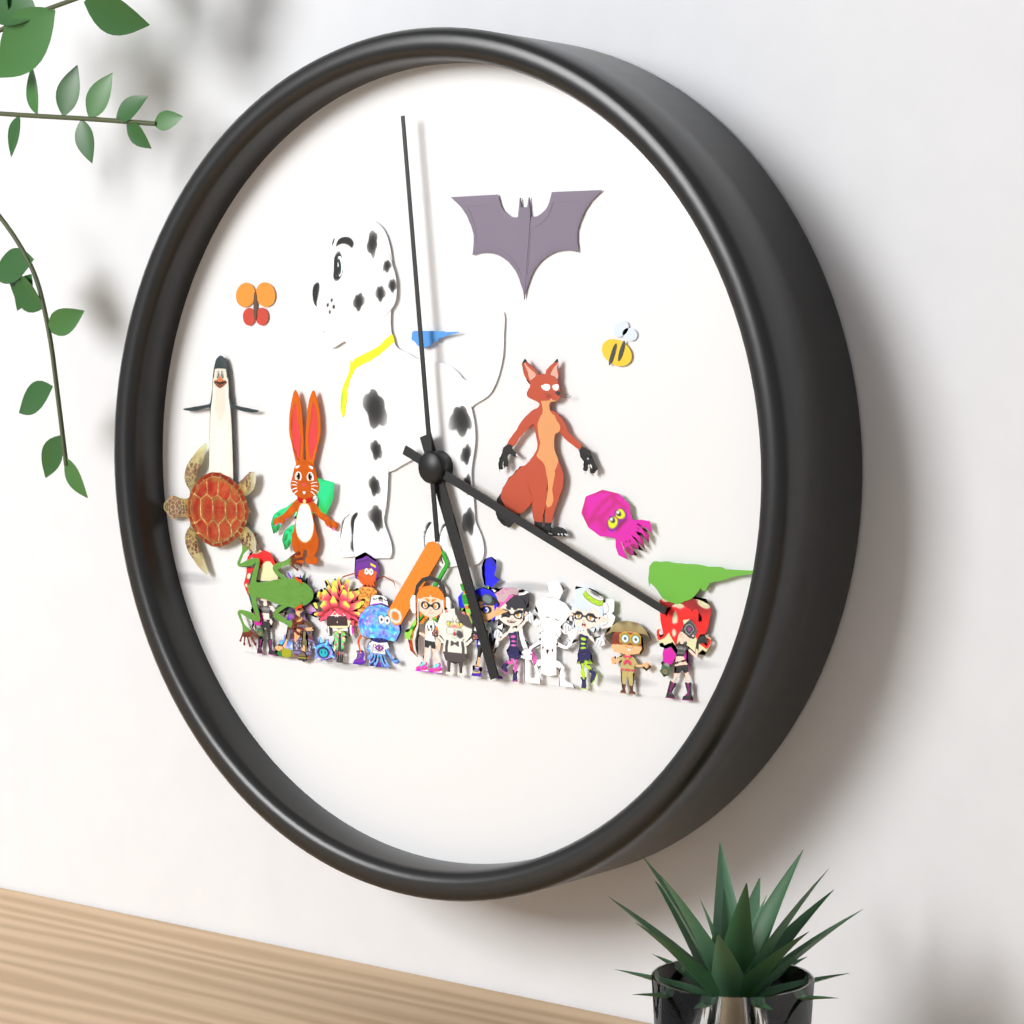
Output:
**5:19:59**
